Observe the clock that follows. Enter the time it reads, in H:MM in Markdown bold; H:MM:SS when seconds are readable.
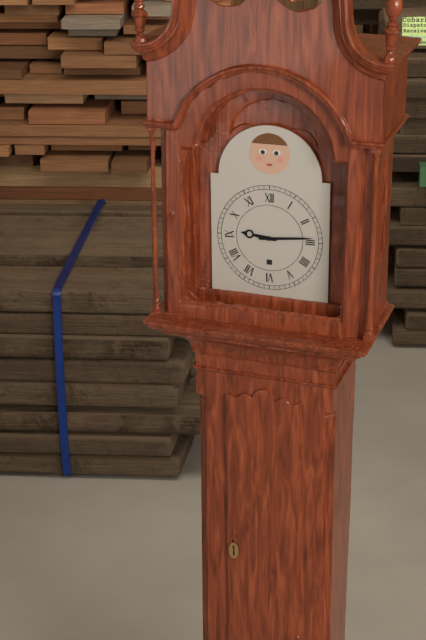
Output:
**9:14**
